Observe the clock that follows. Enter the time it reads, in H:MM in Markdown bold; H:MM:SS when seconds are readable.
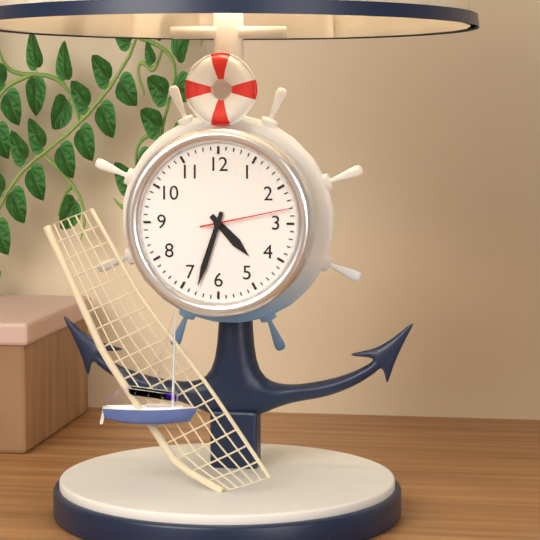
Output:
**4:33:13**
